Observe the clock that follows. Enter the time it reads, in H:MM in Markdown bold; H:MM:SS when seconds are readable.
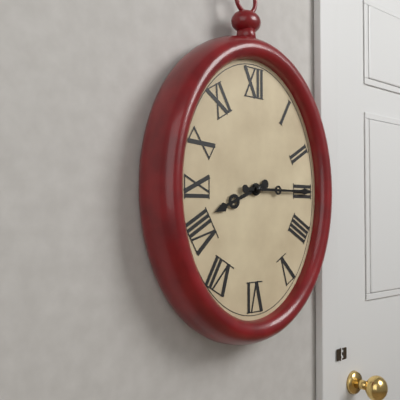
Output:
**8:15**
